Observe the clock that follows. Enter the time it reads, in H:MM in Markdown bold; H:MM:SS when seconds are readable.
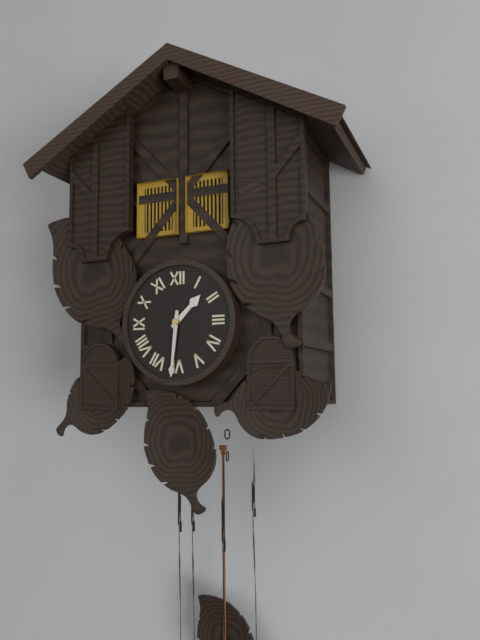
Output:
**1:31**
